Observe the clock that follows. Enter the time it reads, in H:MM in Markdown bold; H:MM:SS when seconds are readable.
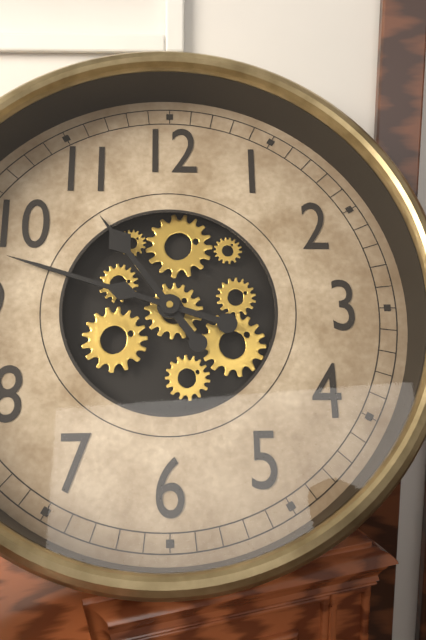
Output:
**10:48**
